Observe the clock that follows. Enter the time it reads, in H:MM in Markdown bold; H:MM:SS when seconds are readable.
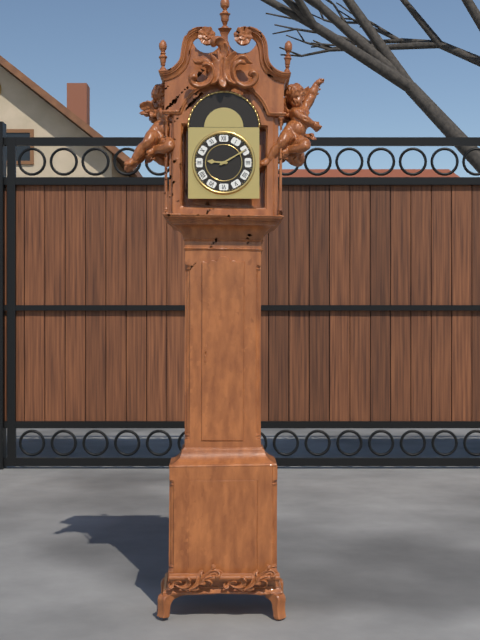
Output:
**9:10**
